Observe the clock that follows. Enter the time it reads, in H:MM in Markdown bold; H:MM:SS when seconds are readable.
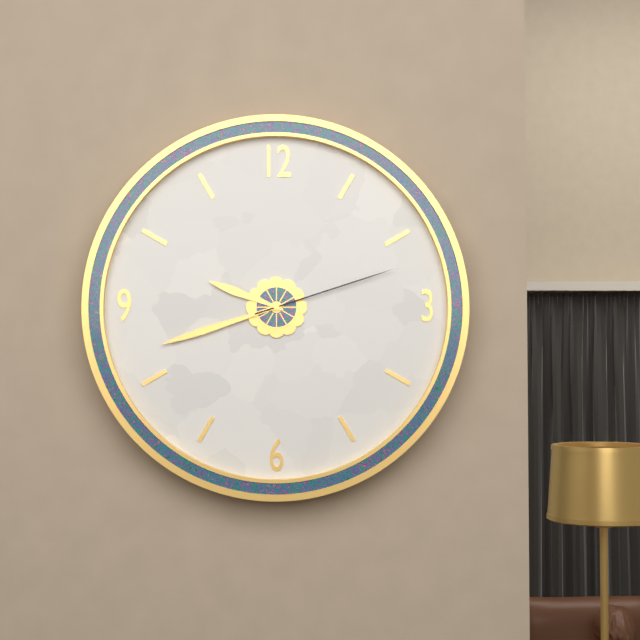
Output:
**9:42:12**
